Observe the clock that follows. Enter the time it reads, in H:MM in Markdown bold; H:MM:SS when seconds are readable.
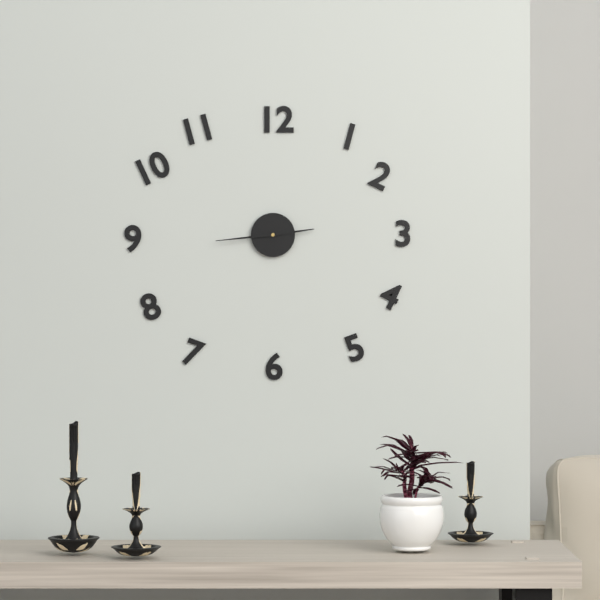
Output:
**2:44**
